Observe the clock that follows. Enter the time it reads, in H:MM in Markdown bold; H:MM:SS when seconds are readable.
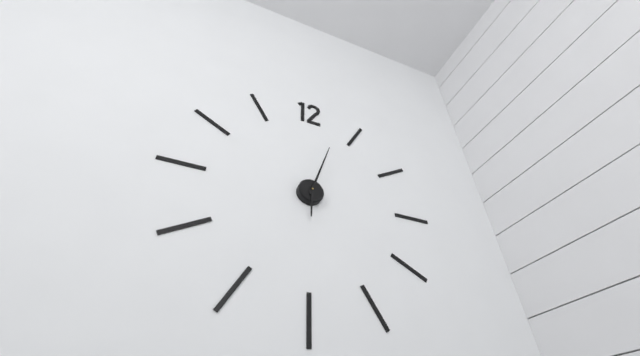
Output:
**6:03**
